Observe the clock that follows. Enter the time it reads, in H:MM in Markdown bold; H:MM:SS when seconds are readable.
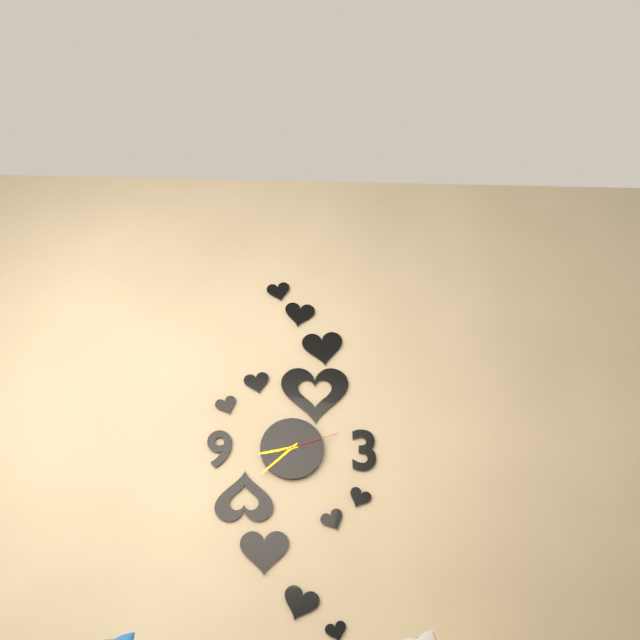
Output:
**8:38:12**
